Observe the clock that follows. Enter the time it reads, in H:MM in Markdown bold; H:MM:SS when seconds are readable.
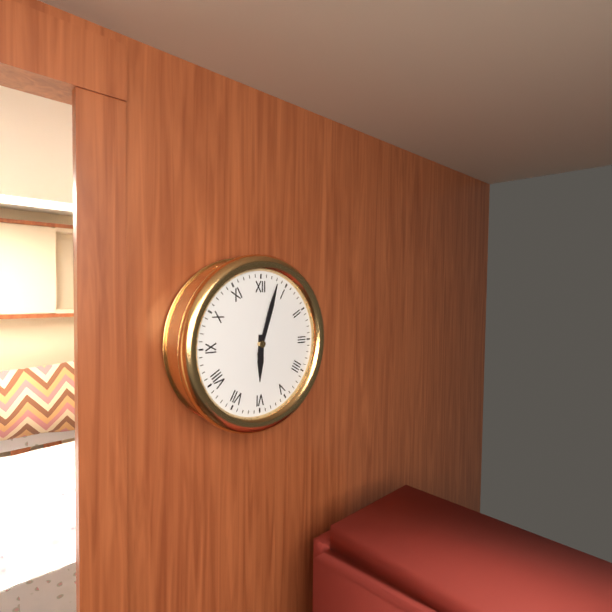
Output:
**6:03**
